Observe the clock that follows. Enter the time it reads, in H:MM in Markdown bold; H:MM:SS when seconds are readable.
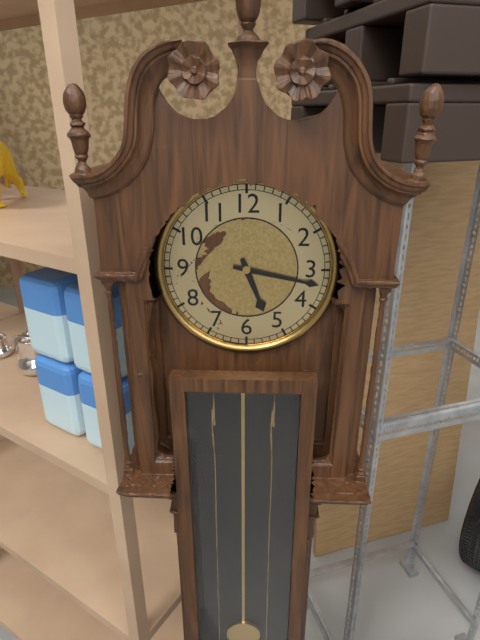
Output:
**5:17**
